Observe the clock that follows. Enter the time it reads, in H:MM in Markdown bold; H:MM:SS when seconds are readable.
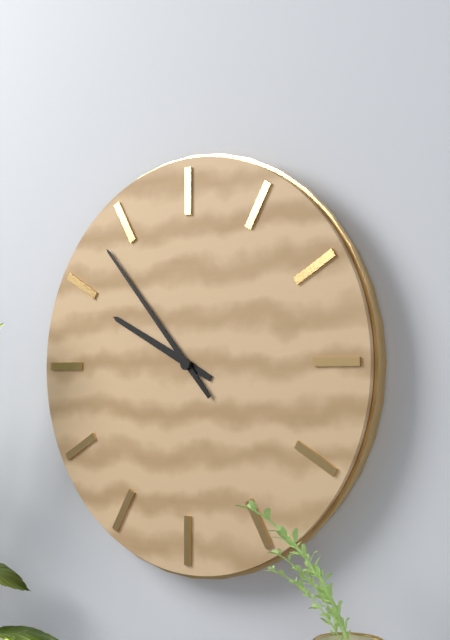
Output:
**9:53**
